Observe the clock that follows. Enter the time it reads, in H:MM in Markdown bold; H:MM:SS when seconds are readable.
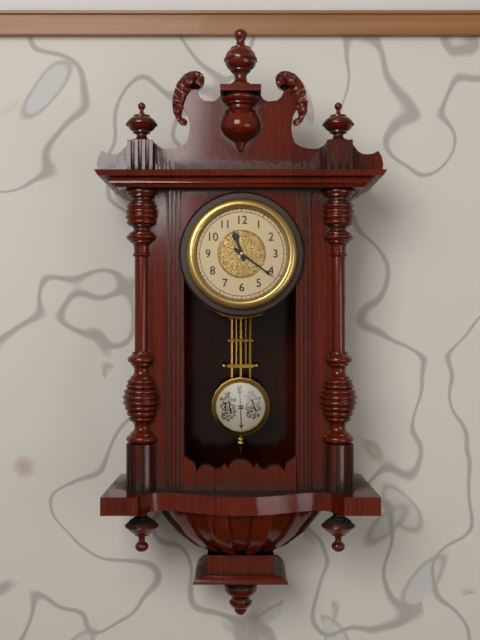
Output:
**11:21**
